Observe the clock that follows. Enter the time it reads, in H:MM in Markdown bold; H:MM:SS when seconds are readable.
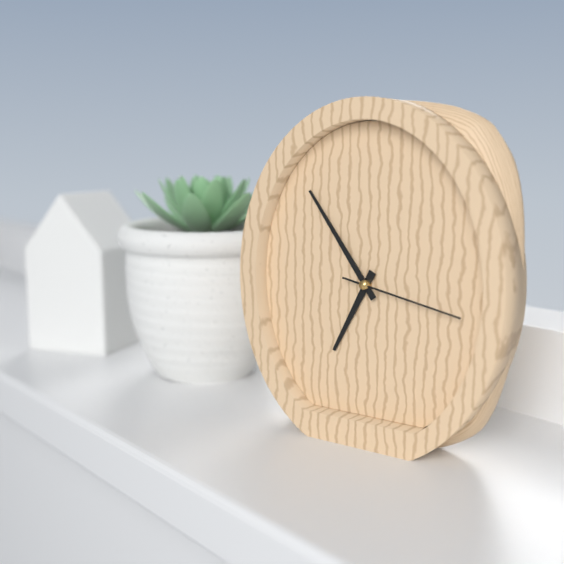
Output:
**6:54:17**
